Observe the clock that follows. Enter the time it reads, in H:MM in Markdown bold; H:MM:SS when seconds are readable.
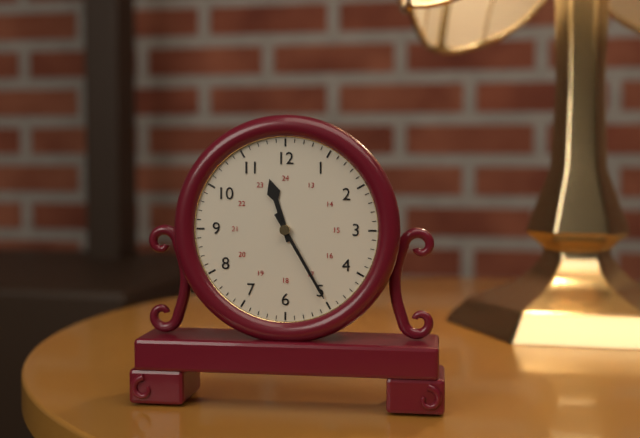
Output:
**11:25**
